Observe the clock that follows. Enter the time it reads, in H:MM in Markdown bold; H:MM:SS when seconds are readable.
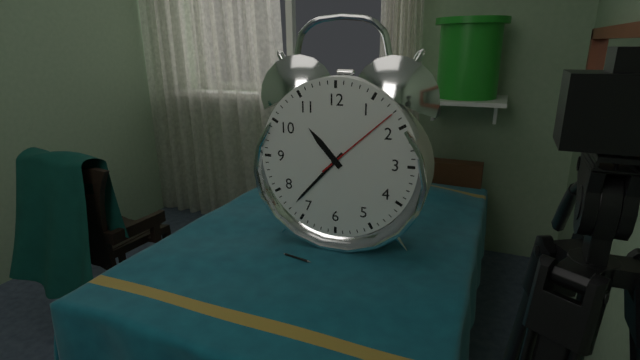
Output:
**10:37:08**
